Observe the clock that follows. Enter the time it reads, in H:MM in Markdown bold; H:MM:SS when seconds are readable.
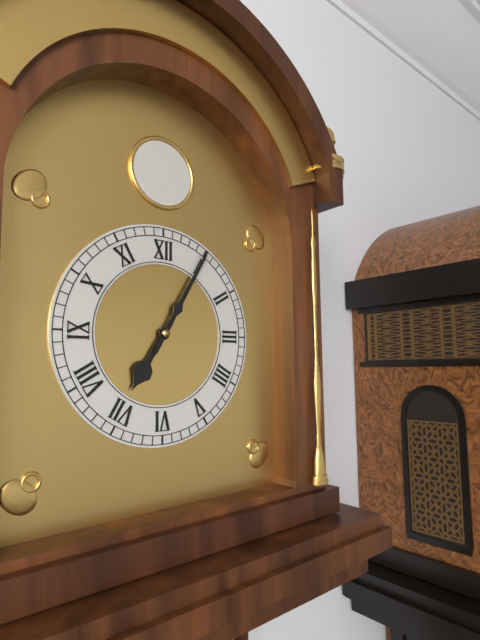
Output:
**7:05**
